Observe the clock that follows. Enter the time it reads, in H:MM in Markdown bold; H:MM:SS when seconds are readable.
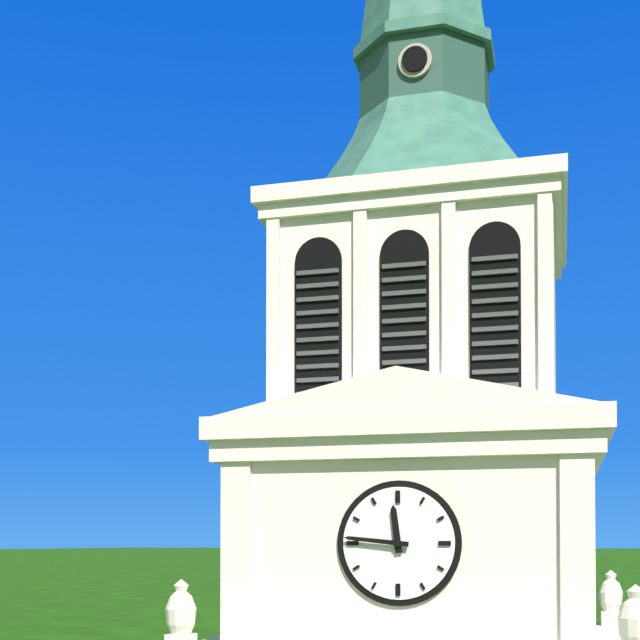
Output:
**11:46**
